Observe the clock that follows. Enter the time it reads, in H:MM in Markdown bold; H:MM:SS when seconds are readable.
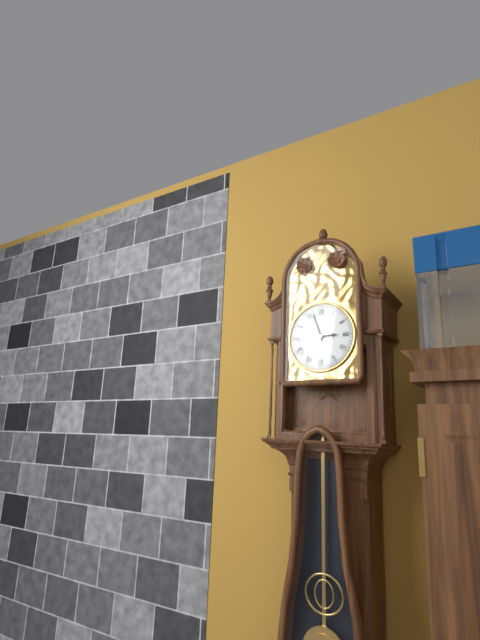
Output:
**2:57**
